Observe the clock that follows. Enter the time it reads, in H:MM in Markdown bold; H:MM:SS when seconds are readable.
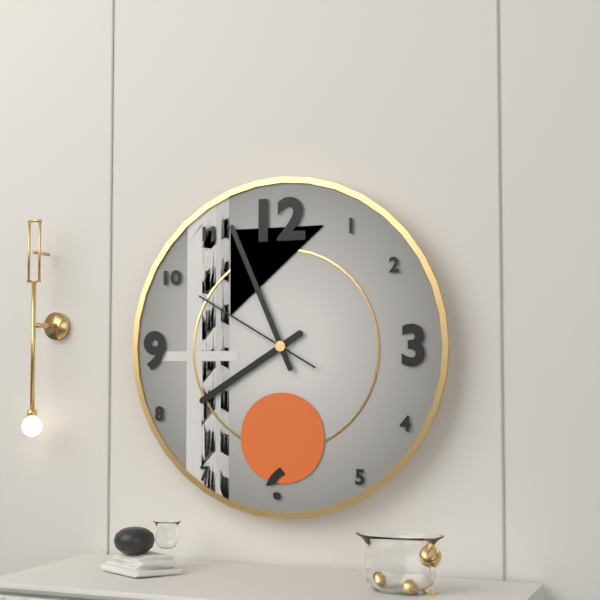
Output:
**7:56:50**
